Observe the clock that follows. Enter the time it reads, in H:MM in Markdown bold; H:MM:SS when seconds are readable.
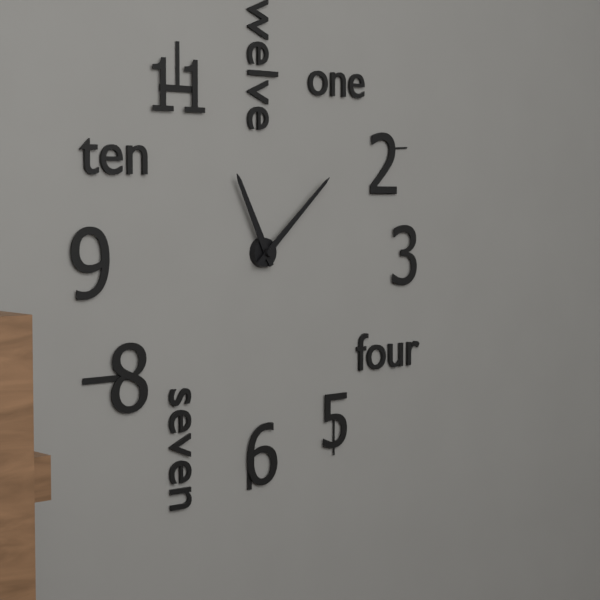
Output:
**11:08**
